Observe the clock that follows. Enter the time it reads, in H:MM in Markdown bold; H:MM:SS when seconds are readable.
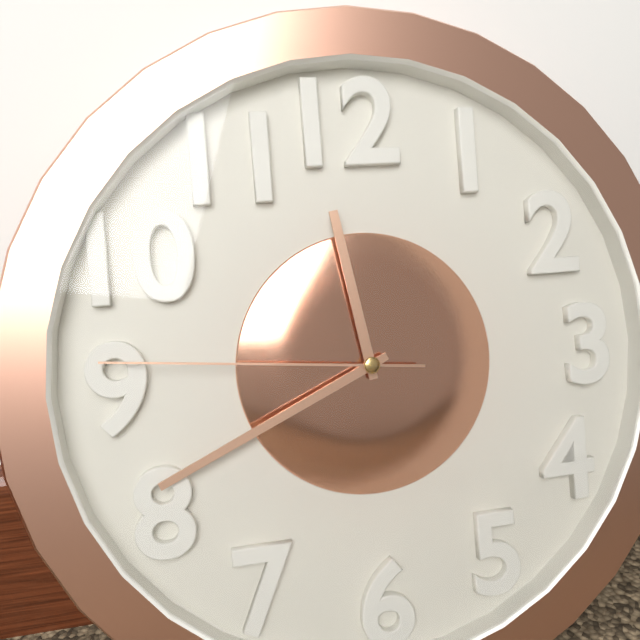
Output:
**11:41:46**
